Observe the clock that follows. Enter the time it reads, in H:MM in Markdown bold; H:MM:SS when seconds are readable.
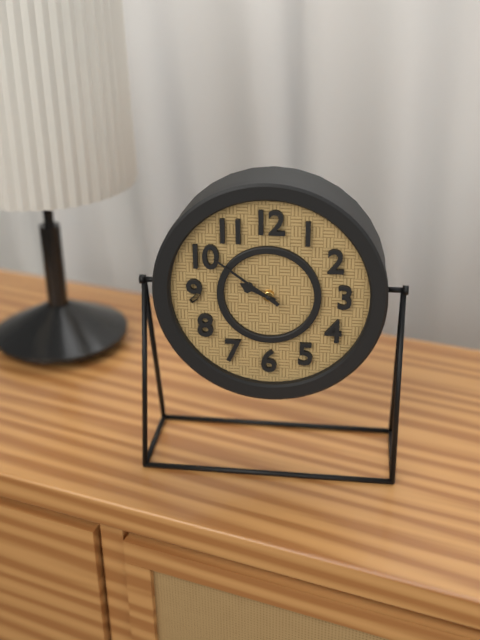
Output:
**9:51**
